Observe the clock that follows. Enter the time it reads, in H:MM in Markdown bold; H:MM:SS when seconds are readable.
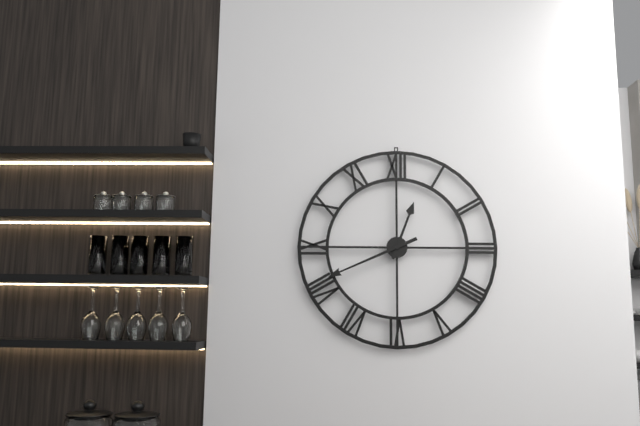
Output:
**12:41**
